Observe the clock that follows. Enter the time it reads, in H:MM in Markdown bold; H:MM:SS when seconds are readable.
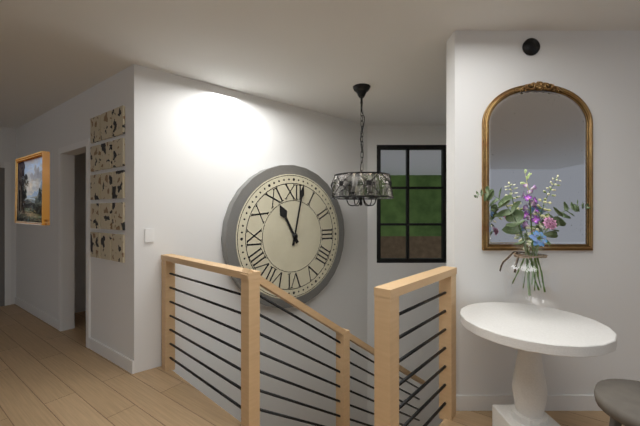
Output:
**11:02**
